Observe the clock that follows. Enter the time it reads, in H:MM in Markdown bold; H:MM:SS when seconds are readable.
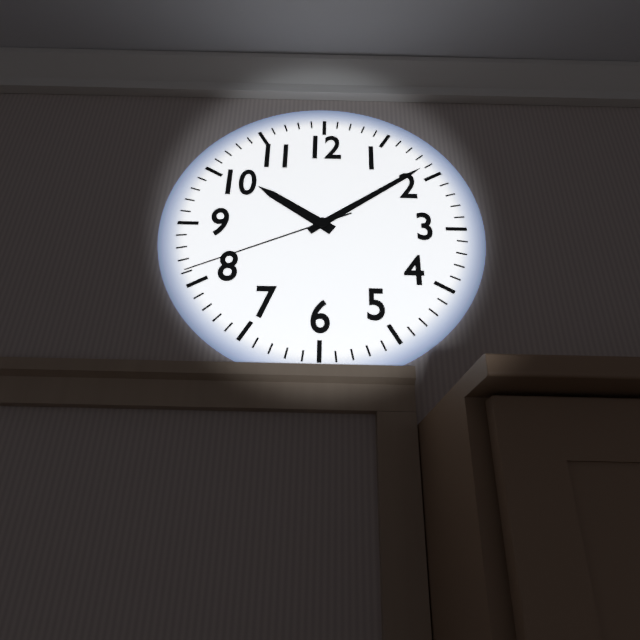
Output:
**10:09:41**
